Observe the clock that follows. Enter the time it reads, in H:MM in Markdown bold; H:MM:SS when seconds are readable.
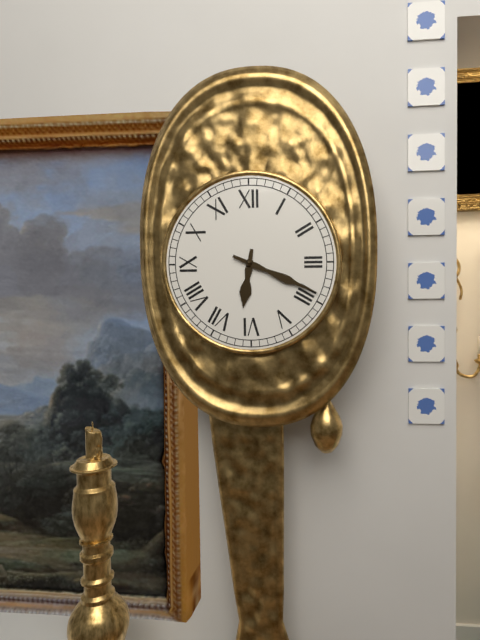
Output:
**6:19**
